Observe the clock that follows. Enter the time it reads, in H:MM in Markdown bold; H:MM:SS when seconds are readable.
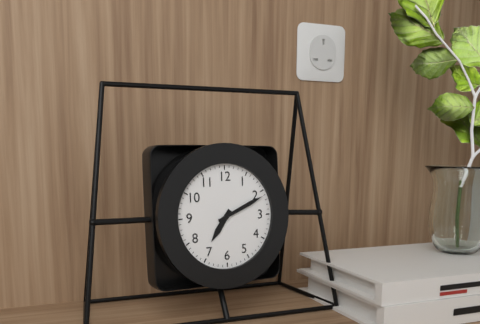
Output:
**7:11**
